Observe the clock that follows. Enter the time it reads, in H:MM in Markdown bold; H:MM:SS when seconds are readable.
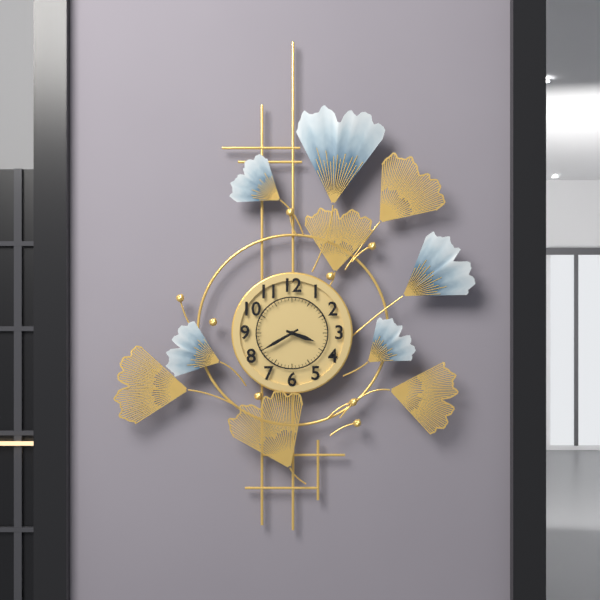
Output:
**3:40**
